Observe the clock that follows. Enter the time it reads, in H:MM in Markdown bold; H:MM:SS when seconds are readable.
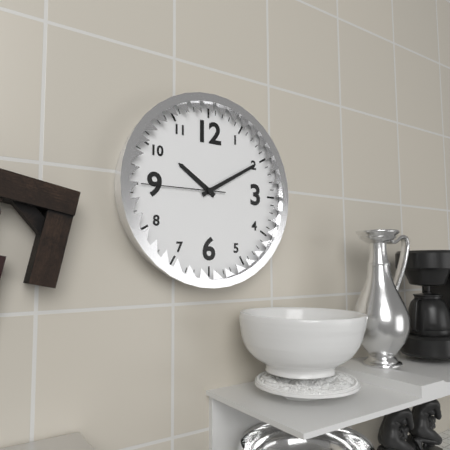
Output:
**10:10:45**
